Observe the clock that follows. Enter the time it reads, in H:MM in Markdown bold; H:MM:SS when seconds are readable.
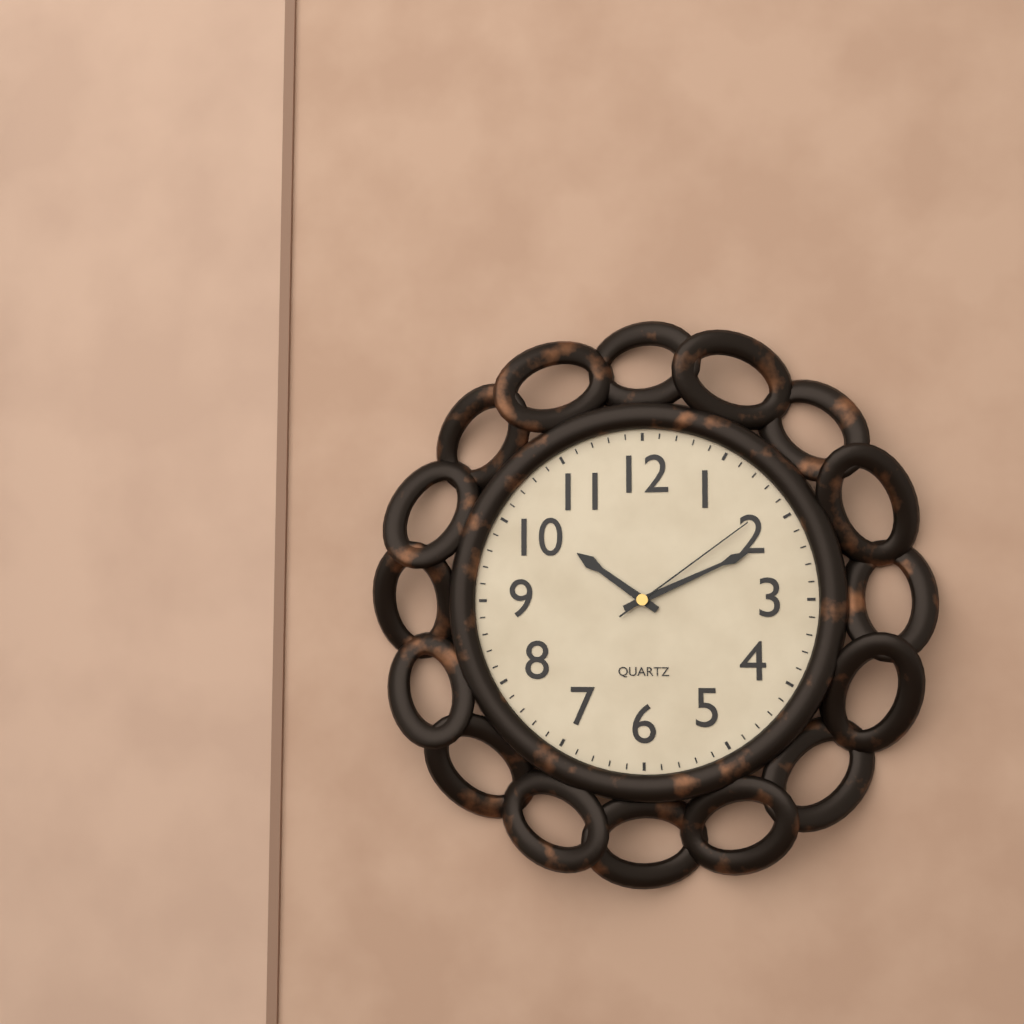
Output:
**10:11:09**
